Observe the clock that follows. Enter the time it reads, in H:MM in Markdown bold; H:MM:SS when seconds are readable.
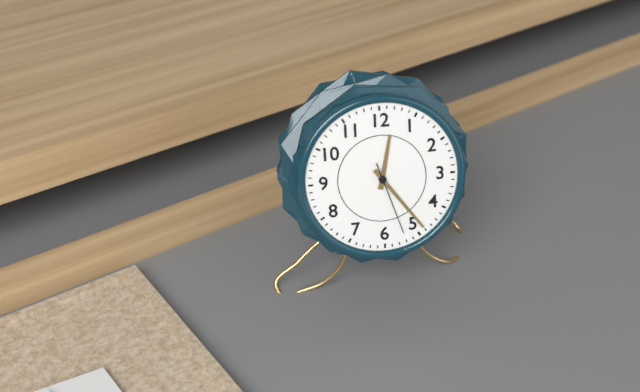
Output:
**12:24:27**
